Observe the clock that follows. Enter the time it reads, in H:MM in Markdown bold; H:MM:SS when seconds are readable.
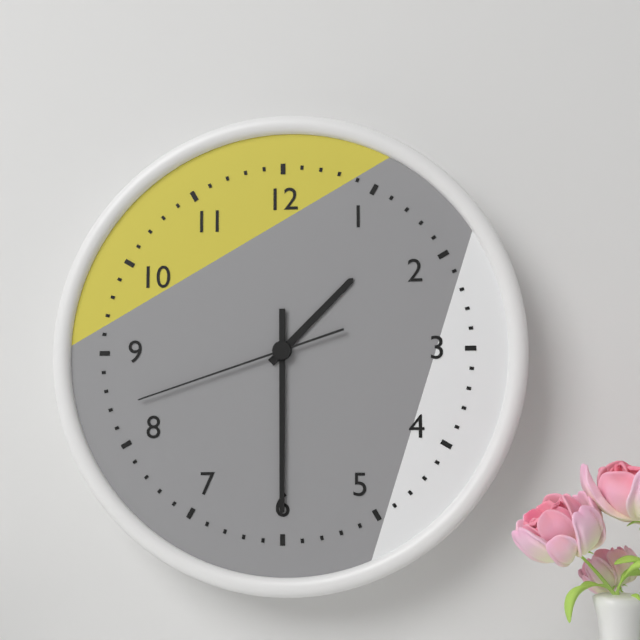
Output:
**1:30:42**
